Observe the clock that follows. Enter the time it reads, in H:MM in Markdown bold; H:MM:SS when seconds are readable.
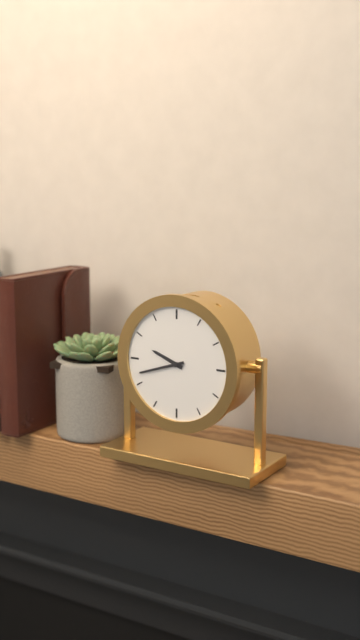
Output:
**9:42**
